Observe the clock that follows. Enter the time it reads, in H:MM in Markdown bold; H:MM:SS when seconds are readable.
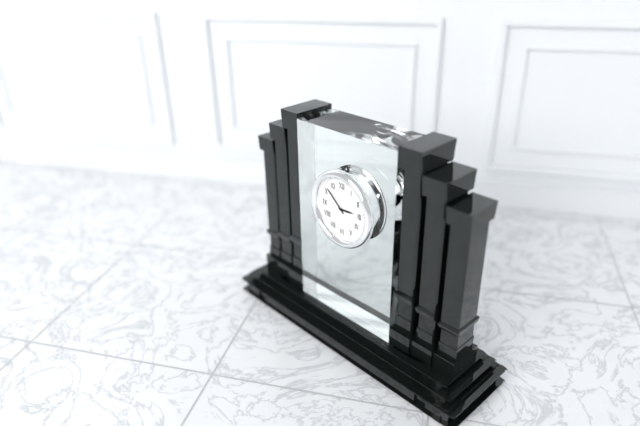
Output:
**2:52**
